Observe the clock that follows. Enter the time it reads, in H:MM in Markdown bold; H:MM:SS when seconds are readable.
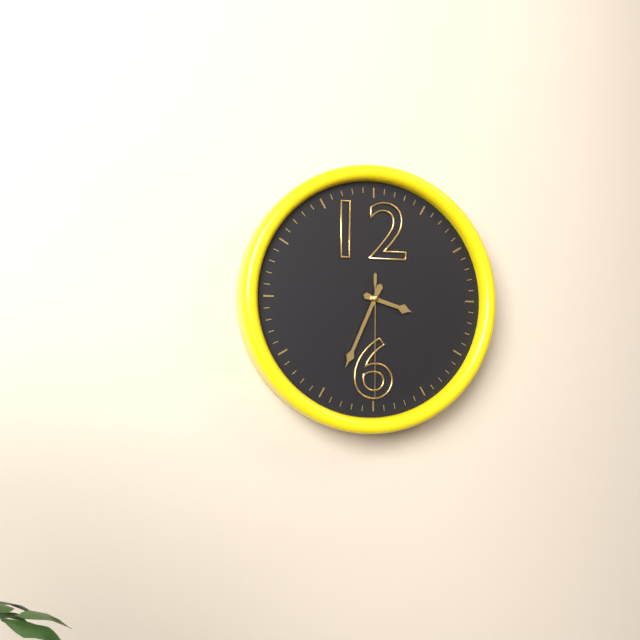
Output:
**3:34:30**
